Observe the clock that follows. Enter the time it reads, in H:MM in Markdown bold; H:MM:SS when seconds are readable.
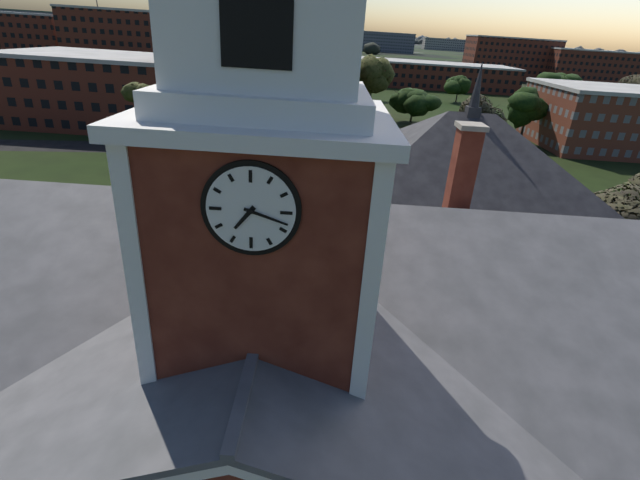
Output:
**7:18**
